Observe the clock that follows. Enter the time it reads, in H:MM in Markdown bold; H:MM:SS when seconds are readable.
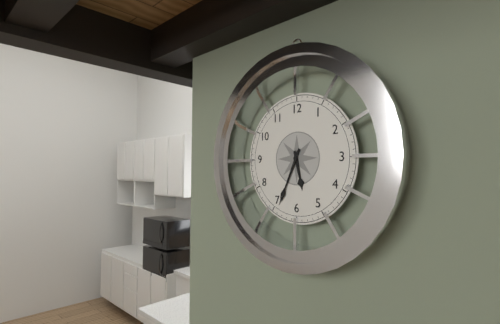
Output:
**5:34**
